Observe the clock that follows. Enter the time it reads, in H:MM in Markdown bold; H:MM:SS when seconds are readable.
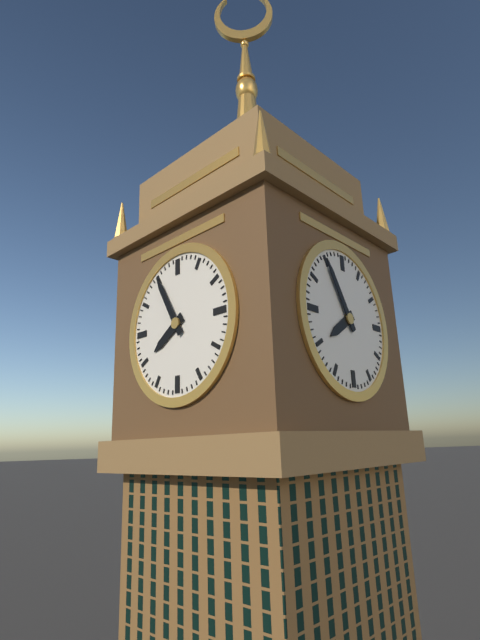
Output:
**7:55**
